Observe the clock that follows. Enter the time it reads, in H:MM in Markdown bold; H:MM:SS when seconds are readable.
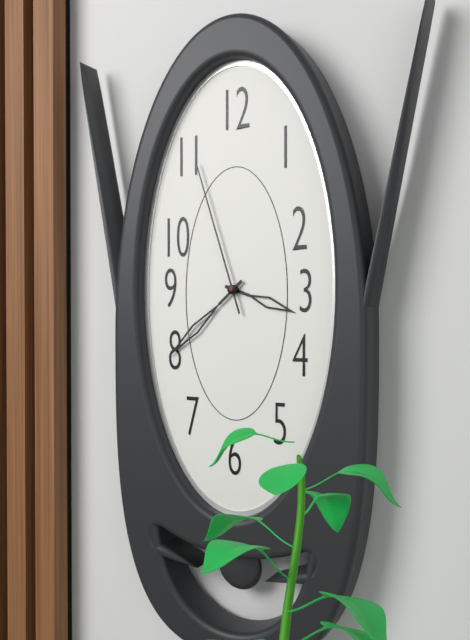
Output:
**3:38:57**
